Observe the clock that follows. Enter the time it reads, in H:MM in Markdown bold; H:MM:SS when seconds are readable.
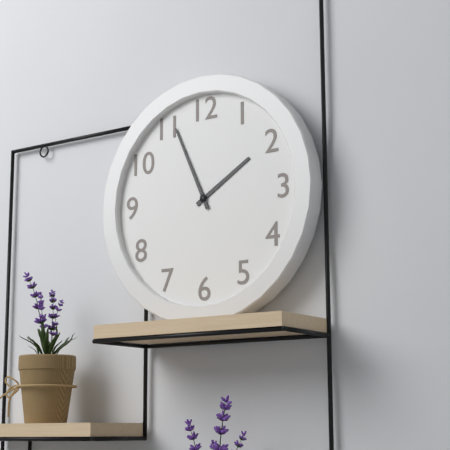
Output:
**1:56**
